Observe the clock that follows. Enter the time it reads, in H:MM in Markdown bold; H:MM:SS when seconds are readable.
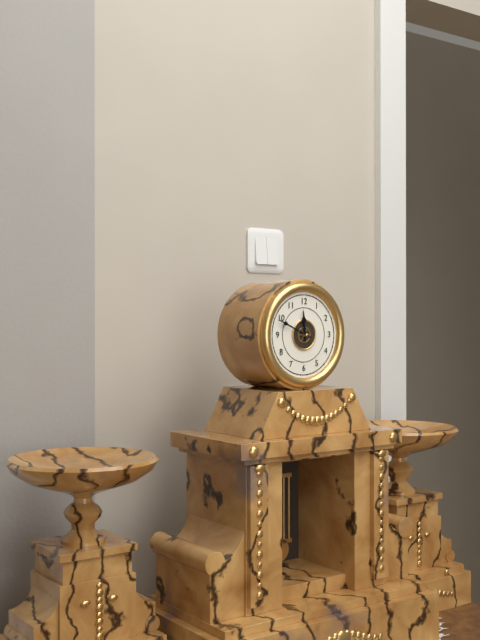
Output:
**11:49**
